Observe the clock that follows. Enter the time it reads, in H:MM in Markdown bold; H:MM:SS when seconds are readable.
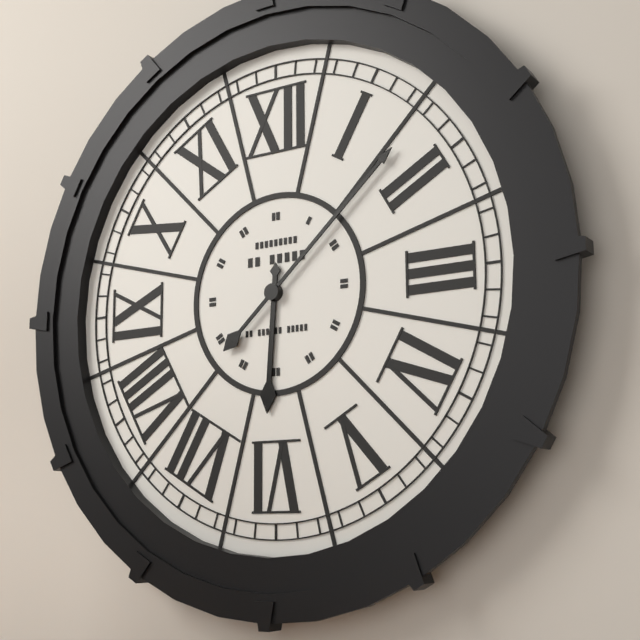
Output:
**6:08**
